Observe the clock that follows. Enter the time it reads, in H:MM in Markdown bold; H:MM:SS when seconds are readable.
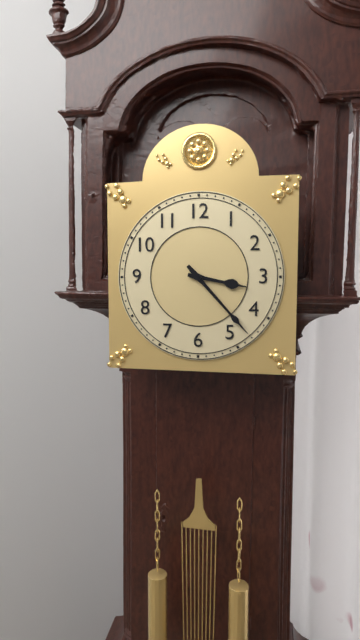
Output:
**3:23**
